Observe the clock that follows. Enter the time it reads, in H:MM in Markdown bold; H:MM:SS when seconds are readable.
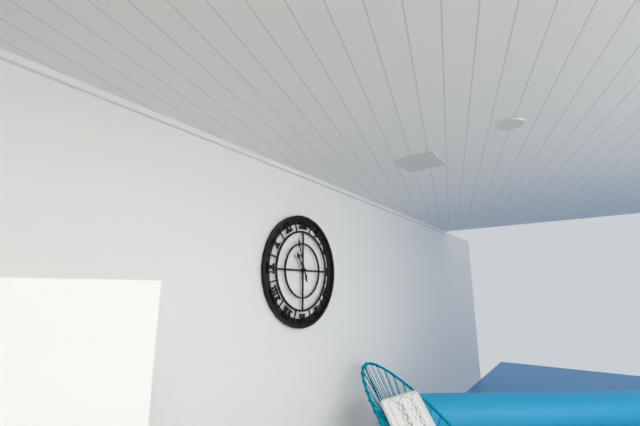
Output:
**10:57**
